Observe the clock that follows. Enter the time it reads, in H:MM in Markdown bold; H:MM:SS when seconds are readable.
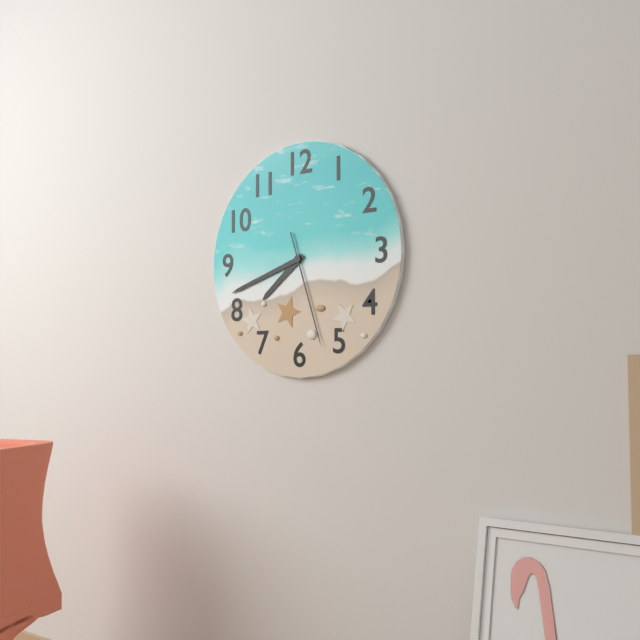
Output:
**7:42:27**
